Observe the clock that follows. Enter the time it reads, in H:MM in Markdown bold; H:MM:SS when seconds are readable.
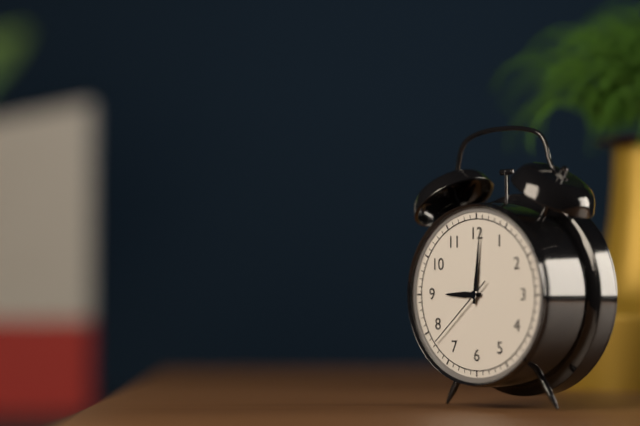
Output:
**9:01:38**
